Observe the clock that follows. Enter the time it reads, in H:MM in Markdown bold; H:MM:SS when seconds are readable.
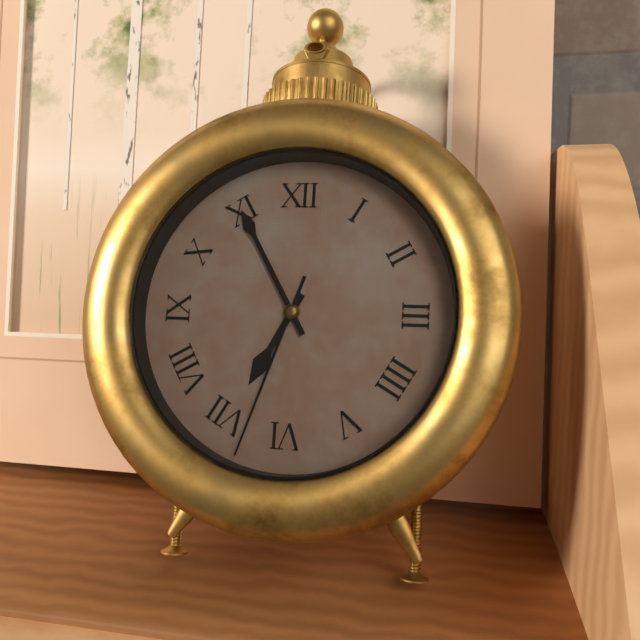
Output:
**6:55:33**
